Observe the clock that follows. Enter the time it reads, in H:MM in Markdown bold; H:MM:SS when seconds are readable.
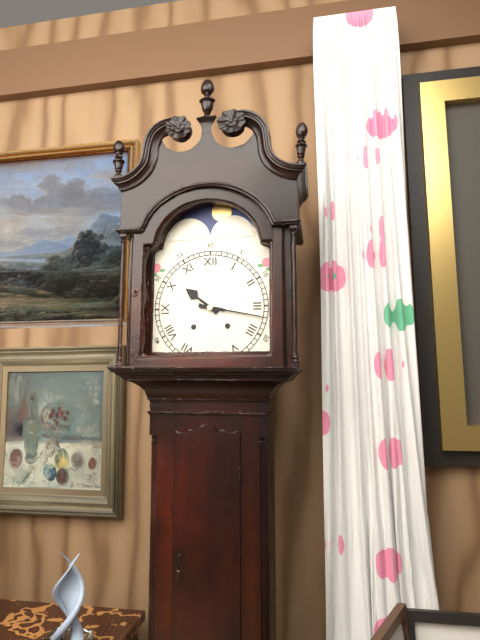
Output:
**10:17**
